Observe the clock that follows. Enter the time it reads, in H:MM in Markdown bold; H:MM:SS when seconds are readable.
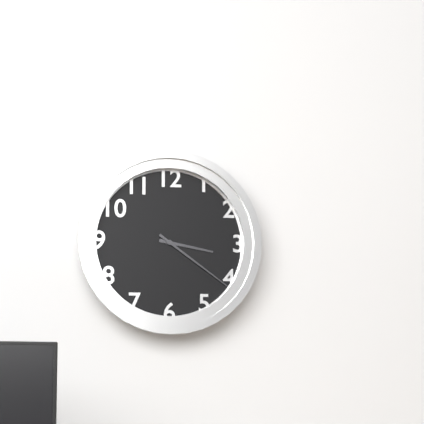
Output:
**3:21**
